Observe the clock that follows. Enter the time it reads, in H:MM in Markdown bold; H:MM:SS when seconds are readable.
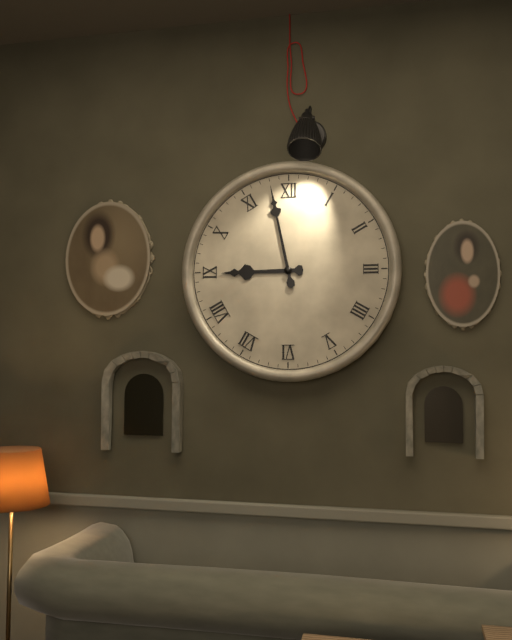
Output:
**8:58**
